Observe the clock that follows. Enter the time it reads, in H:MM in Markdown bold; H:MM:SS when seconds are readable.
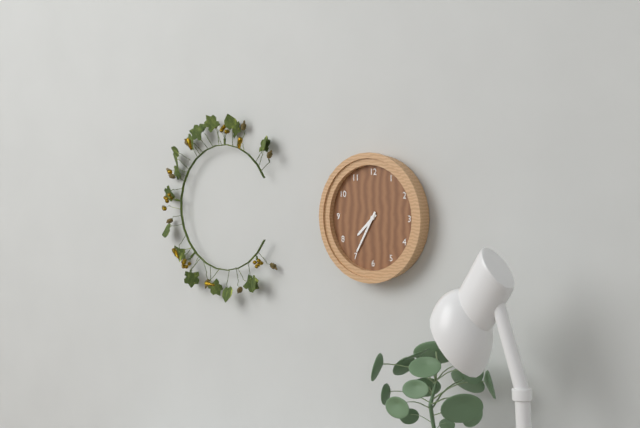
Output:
**7:35**
